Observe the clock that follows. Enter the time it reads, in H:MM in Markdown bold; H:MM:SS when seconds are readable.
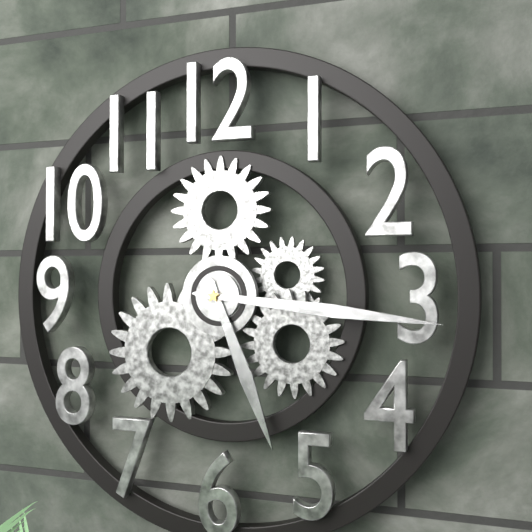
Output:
**5:16**
